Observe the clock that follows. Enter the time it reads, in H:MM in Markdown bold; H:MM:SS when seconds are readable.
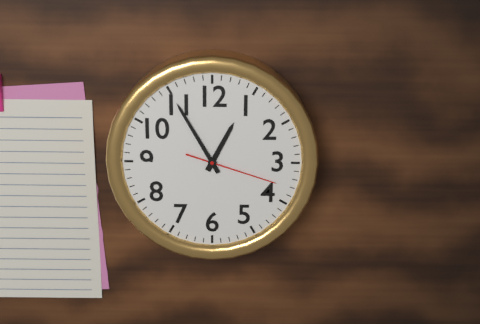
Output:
**12:55:18**
